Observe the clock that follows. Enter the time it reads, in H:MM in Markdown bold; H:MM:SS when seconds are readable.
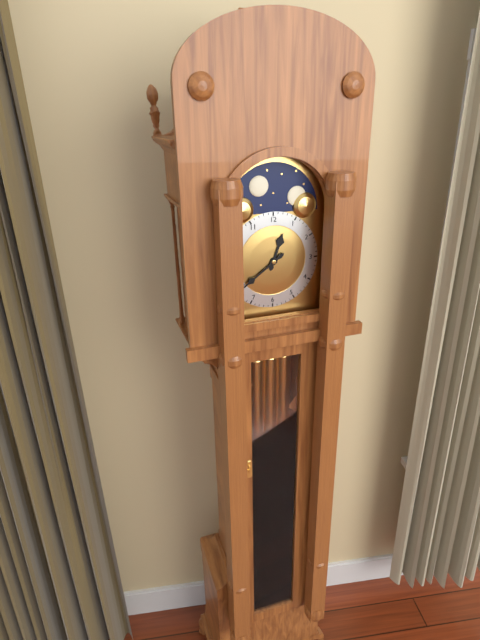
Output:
**12:39**
